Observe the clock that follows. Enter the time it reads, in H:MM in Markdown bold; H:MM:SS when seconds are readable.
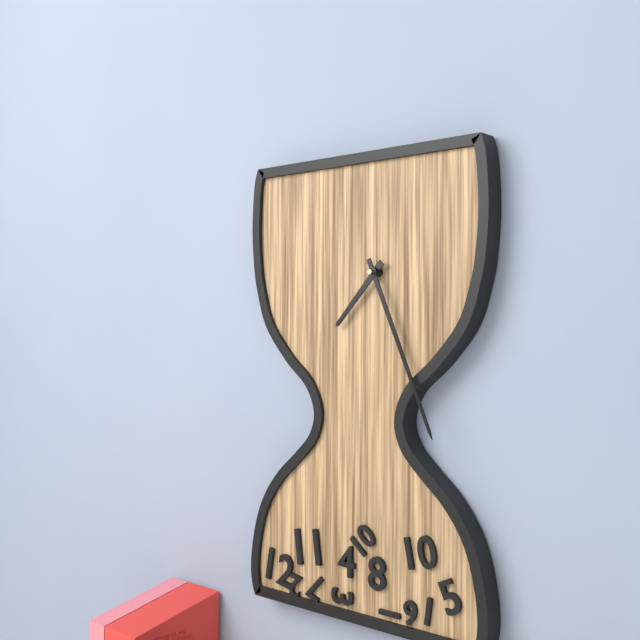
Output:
**7:26**
